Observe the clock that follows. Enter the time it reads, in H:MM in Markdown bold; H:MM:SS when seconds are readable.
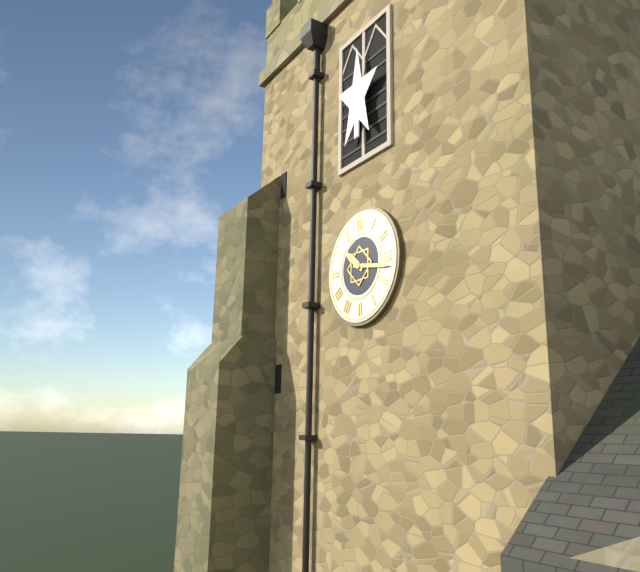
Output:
**10:17**
